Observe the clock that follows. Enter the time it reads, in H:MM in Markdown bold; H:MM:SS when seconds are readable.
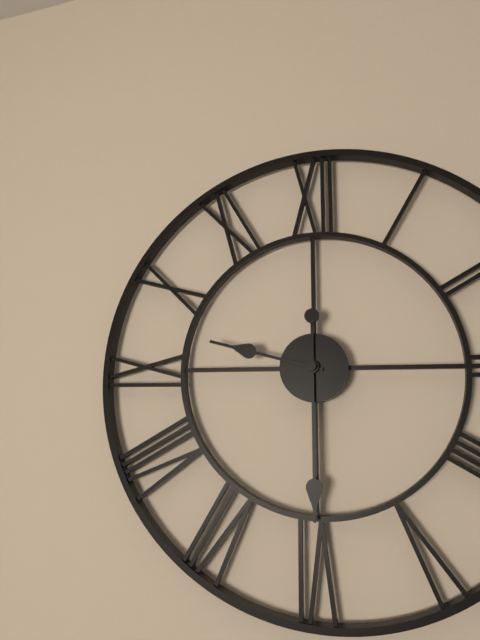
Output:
**9:30**
